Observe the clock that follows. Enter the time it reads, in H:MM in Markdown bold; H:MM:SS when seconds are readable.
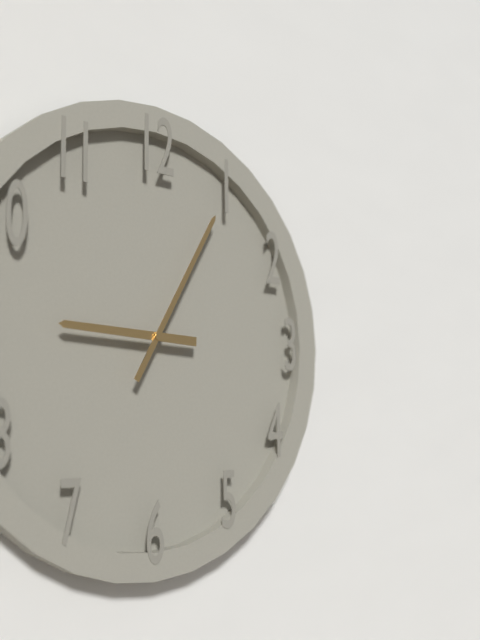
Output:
**9:05**
